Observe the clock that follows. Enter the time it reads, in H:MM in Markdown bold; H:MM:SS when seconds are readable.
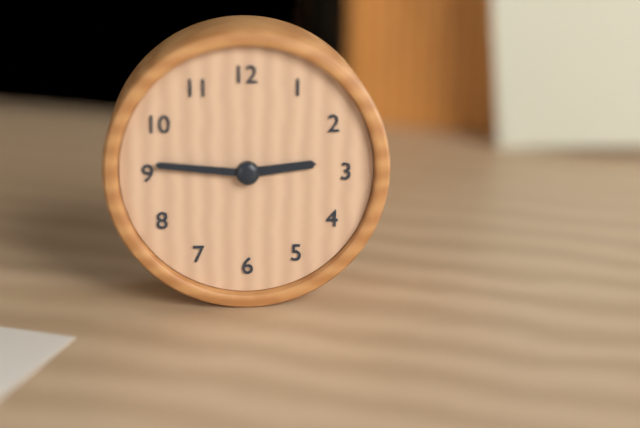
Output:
**2:46**
